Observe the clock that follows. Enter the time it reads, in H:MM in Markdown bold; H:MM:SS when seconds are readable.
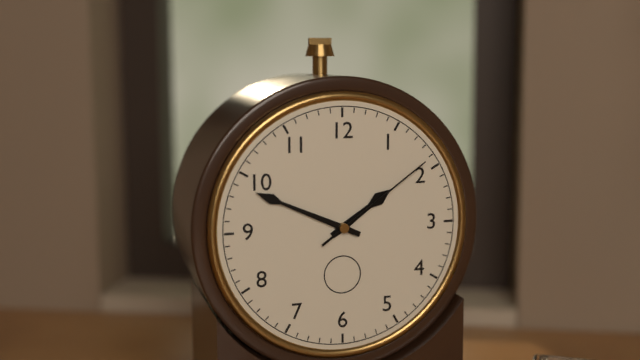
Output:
**1:49:09**
